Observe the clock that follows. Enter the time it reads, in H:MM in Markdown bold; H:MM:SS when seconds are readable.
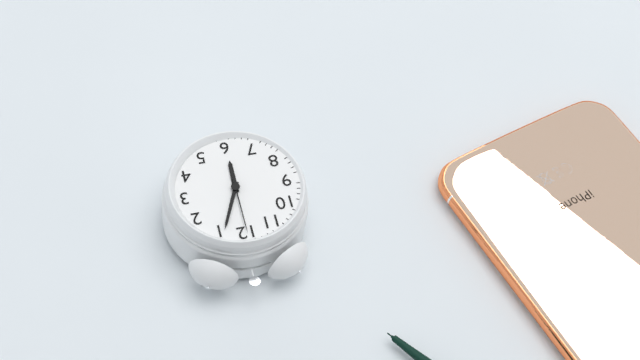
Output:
**6:04:00**
